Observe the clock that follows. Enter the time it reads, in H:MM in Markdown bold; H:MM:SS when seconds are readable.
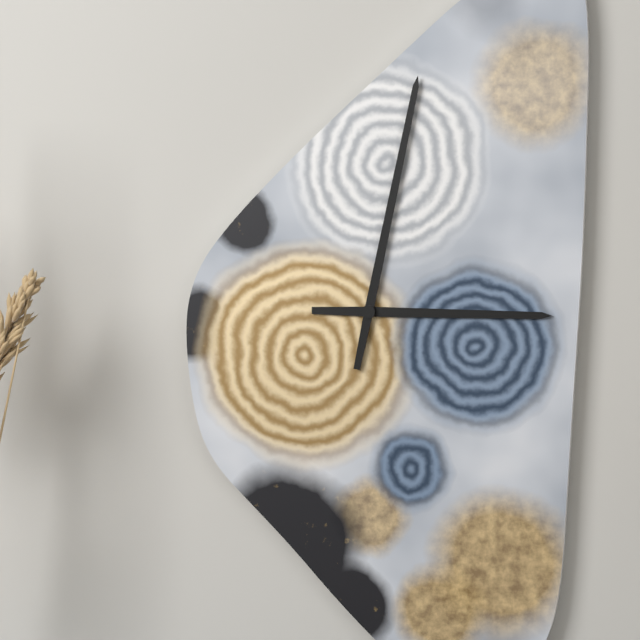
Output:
**3:02**
